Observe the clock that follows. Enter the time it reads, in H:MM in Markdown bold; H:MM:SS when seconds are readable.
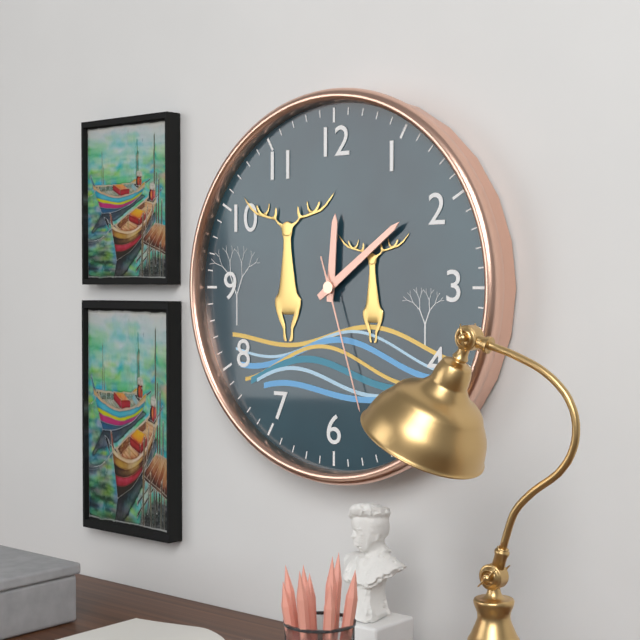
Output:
**12:09:27**
